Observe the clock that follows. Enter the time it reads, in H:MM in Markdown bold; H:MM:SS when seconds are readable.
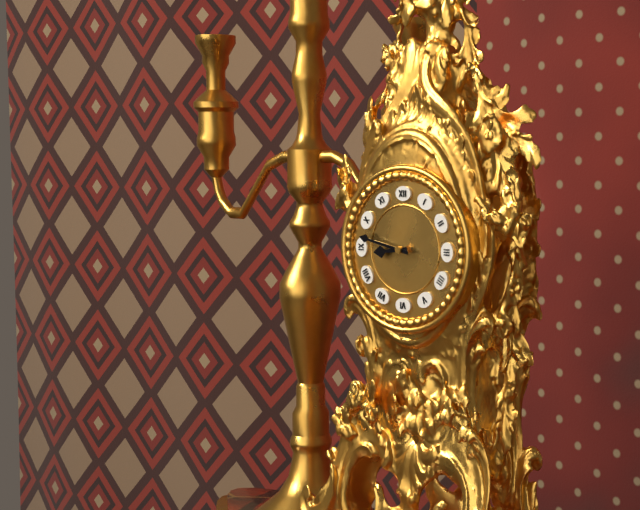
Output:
**8:47**
